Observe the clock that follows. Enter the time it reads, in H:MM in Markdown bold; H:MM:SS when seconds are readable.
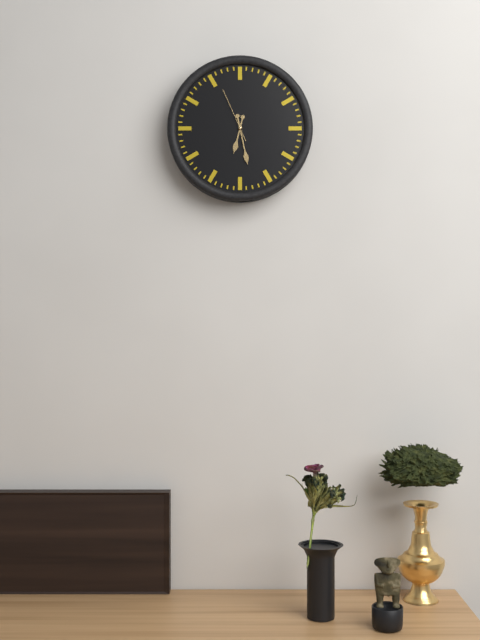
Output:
**6:28:56**
